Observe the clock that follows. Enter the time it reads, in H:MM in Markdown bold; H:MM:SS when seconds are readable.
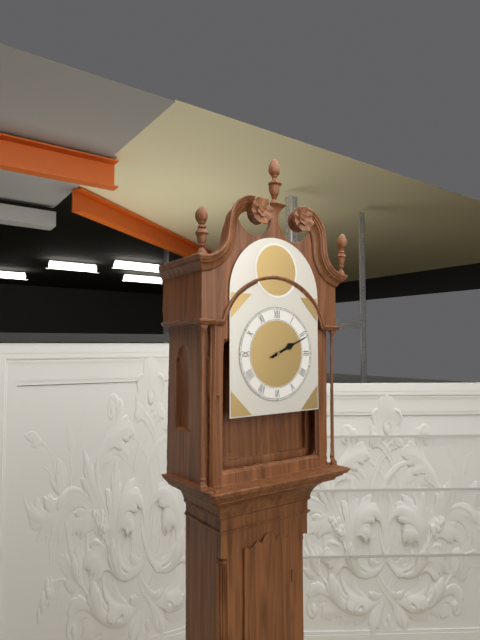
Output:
**2:11**
